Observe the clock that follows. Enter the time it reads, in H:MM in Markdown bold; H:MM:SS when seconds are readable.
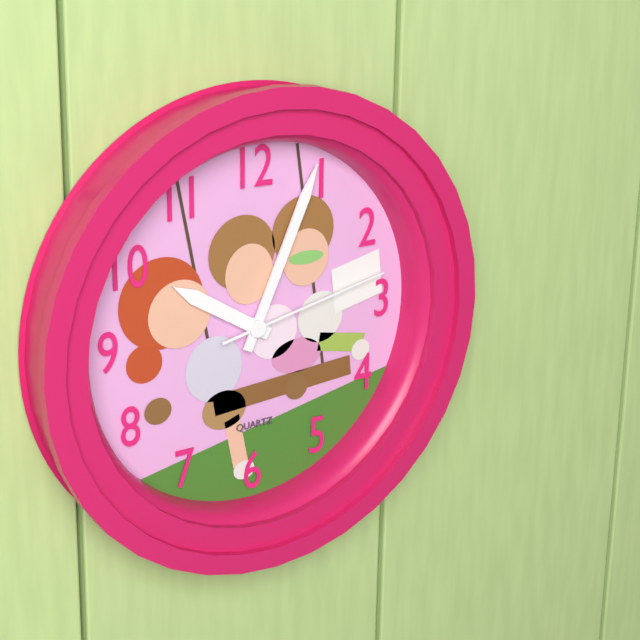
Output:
**10:04:13**
